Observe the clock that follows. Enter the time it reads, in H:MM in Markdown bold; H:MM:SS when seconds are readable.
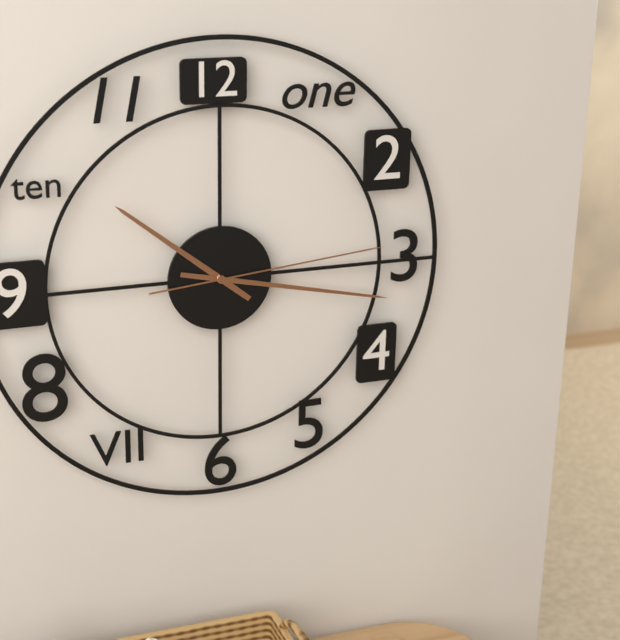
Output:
**10:17:14**
